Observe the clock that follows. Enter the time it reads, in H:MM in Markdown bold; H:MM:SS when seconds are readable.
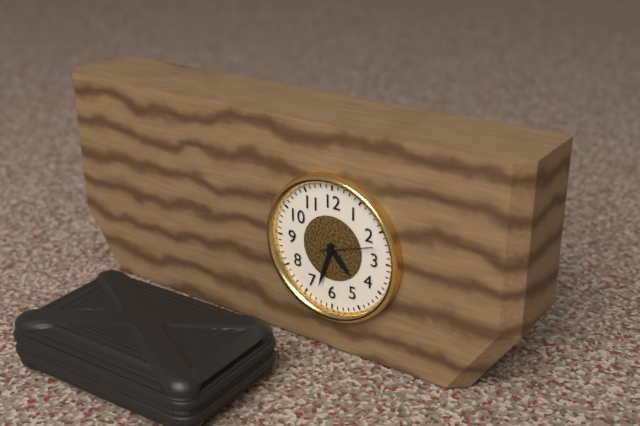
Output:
**4:33:12**
